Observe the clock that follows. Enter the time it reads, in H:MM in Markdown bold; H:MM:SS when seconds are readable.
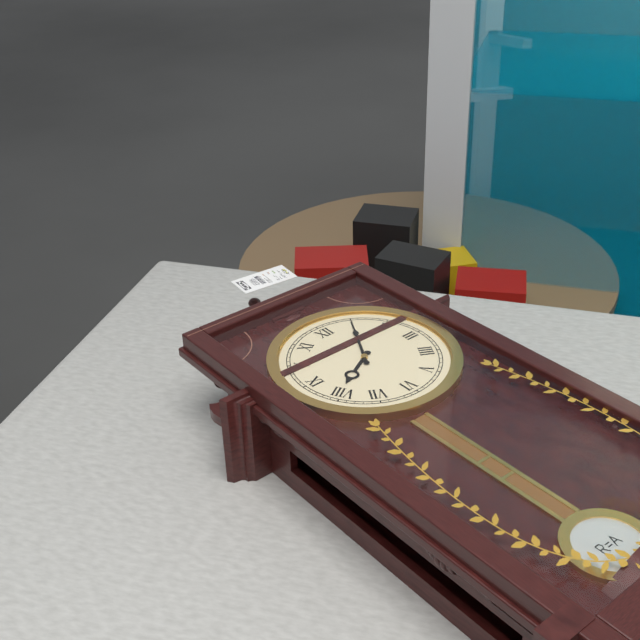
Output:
**8:05**
